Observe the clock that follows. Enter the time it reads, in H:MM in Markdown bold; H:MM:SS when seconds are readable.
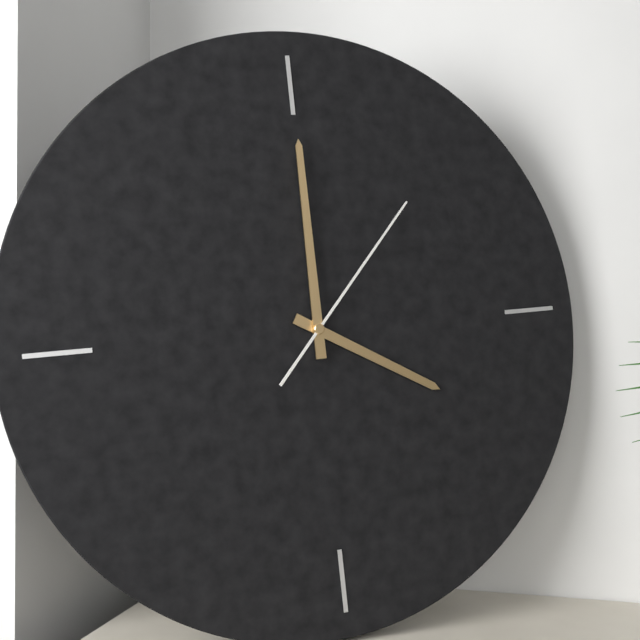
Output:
**4:00:07**
